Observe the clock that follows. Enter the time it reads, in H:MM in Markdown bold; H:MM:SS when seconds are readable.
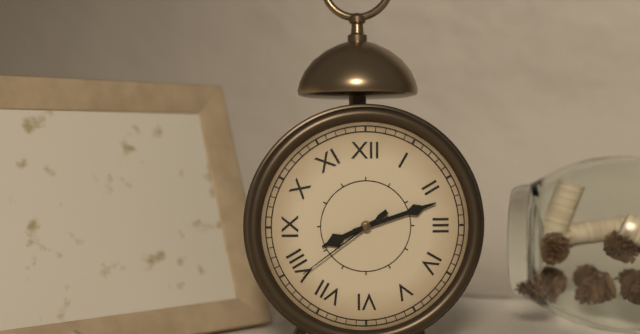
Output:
**8:12:39**
